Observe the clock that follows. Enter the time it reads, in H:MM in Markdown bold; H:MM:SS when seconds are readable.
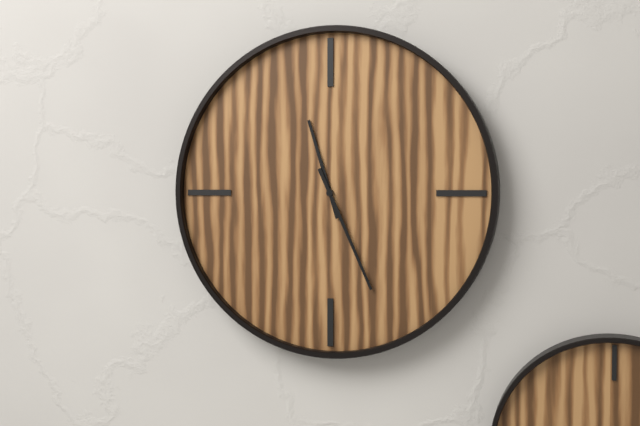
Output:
**11:26**
